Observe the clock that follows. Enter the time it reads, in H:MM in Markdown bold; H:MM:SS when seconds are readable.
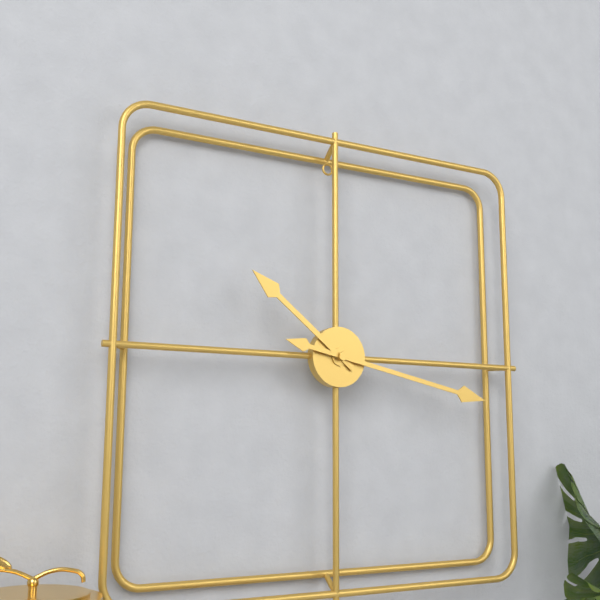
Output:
**10:17**
